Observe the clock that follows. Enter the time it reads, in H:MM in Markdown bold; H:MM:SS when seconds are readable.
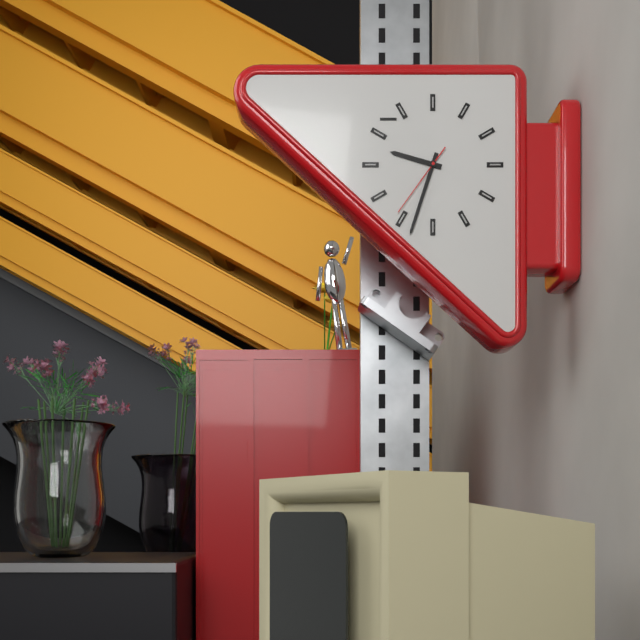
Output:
**9:33:36**
